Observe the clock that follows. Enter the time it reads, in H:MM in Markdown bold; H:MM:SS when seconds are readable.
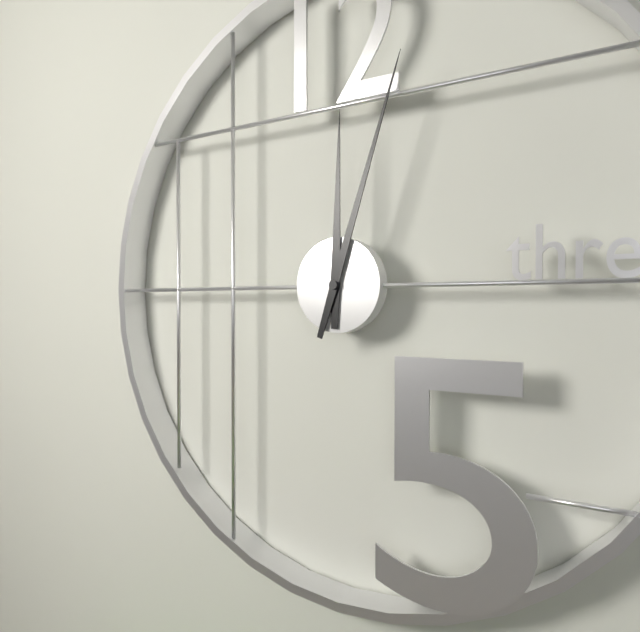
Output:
**12:03**
